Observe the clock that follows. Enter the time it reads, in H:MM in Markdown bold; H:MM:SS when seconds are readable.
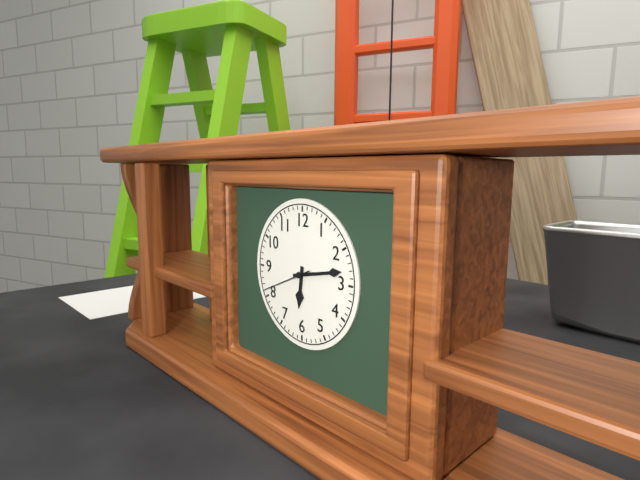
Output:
**6:13**
